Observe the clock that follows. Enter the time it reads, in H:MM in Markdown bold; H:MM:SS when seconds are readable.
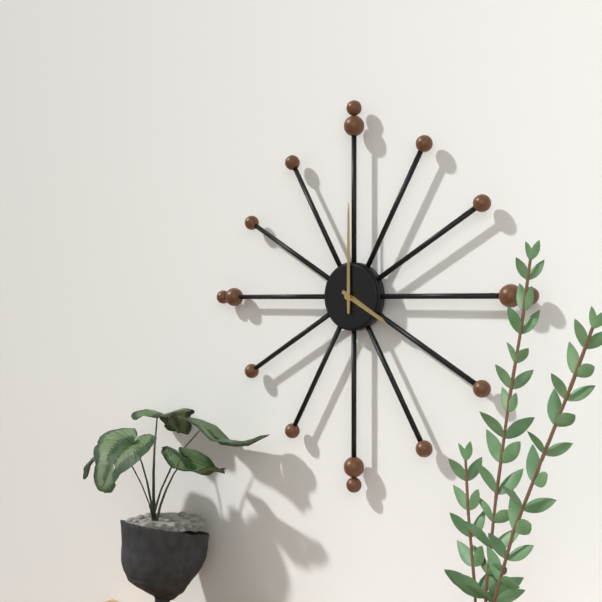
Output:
**4:00**
